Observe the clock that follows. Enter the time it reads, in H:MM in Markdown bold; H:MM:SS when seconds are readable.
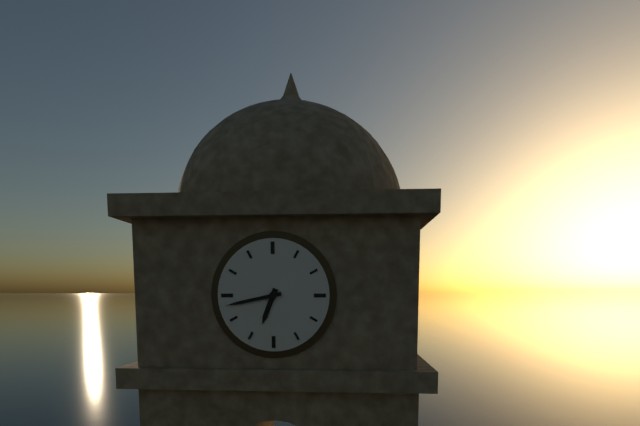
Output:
**6:43**
